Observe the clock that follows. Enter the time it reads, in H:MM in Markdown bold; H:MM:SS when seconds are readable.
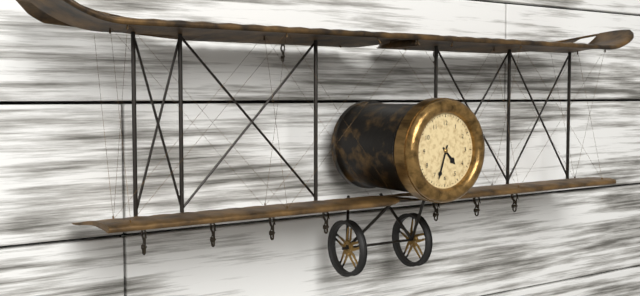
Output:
**4:33**
